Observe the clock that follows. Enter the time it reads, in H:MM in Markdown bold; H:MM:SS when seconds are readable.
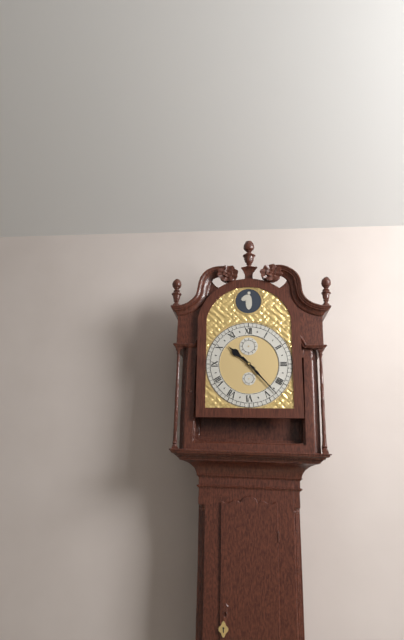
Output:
**10:23**
